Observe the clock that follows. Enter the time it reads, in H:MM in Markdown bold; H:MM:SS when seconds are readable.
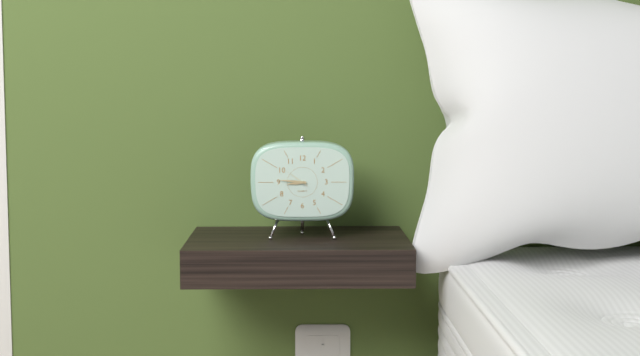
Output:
**8:46**
